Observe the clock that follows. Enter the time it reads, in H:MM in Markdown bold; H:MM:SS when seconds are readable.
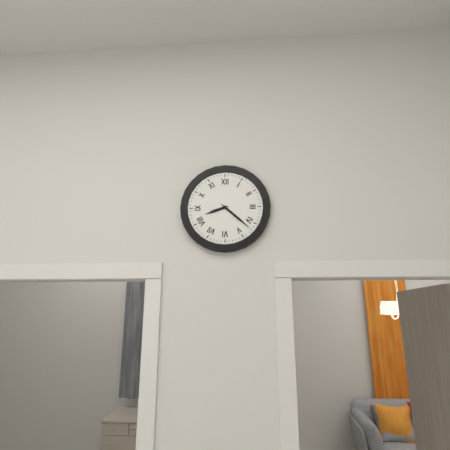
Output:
**8:22**
